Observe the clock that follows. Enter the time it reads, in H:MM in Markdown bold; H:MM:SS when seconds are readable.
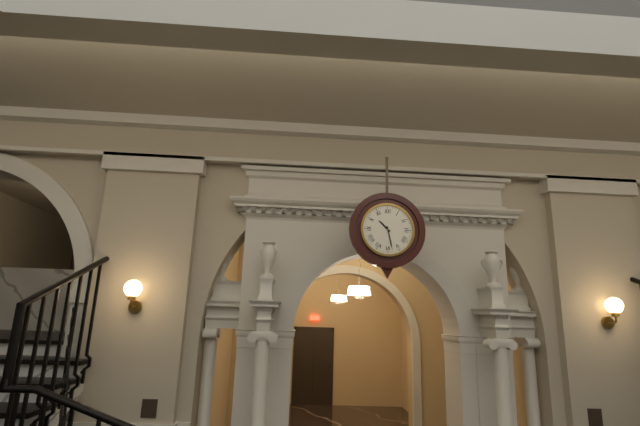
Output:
**10:28**
